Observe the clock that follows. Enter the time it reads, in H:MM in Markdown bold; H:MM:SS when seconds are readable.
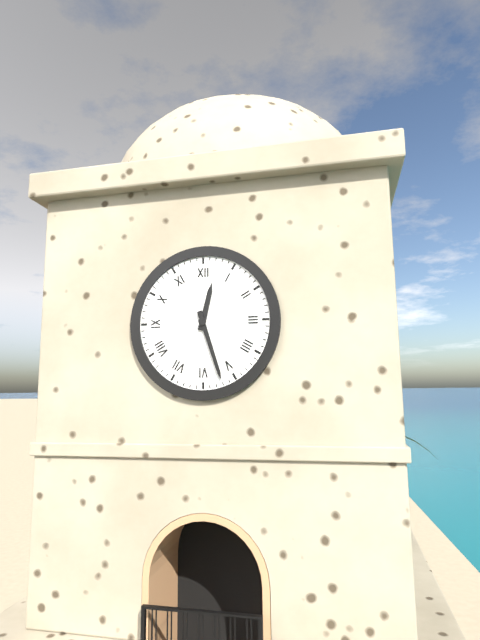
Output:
**12:27**
